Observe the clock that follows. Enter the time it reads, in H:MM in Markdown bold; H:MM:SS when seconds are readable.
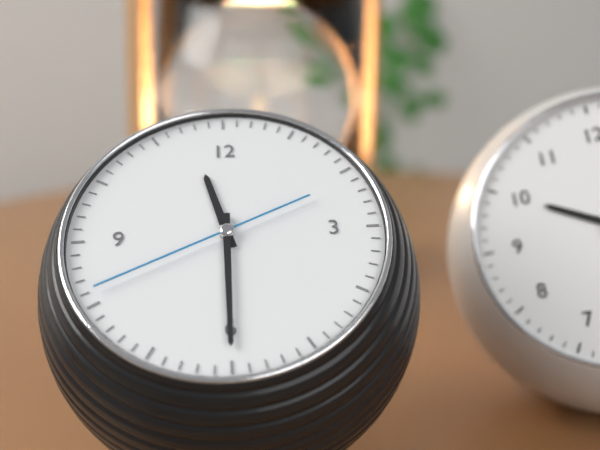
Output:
**11:30:41**
